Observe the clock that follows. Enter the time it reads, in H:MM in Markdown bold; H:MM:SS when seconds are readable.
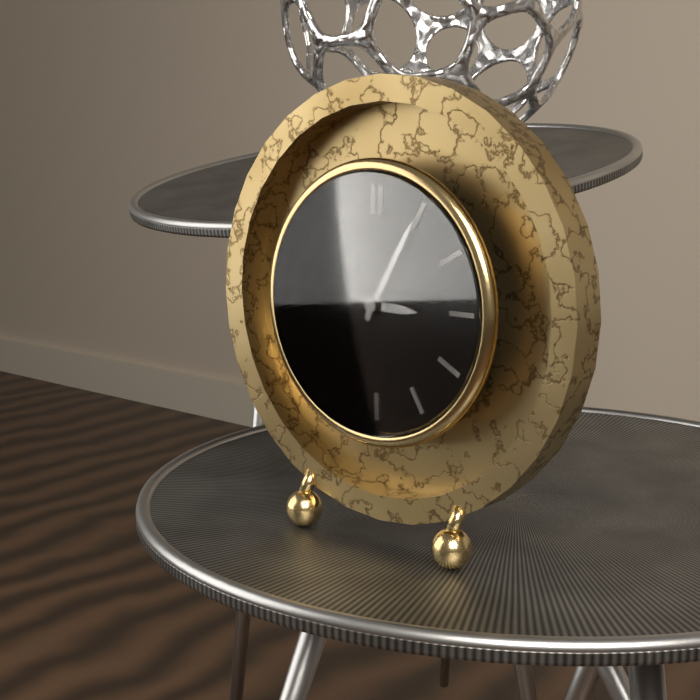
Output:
**3:05**
